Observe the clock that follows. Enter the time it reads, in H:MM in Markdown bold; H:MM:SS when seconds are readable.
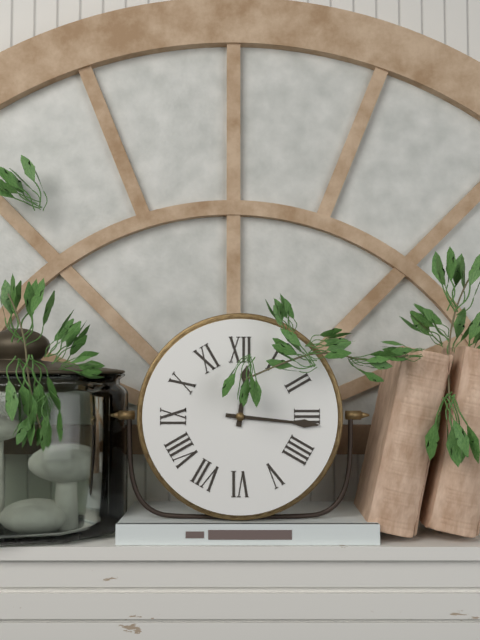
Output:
**12:16**
